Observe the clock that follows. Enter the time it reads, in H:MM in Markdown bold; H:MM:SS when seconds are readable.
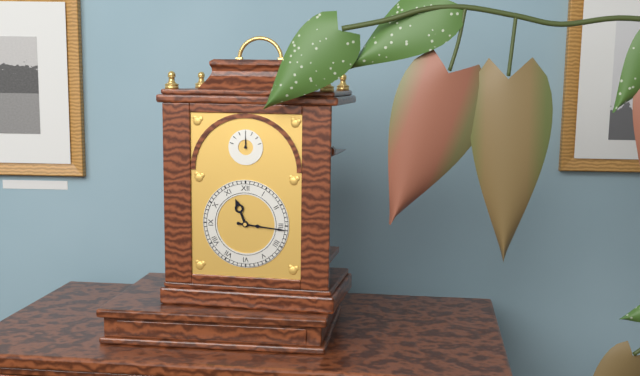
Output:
**11:16**
